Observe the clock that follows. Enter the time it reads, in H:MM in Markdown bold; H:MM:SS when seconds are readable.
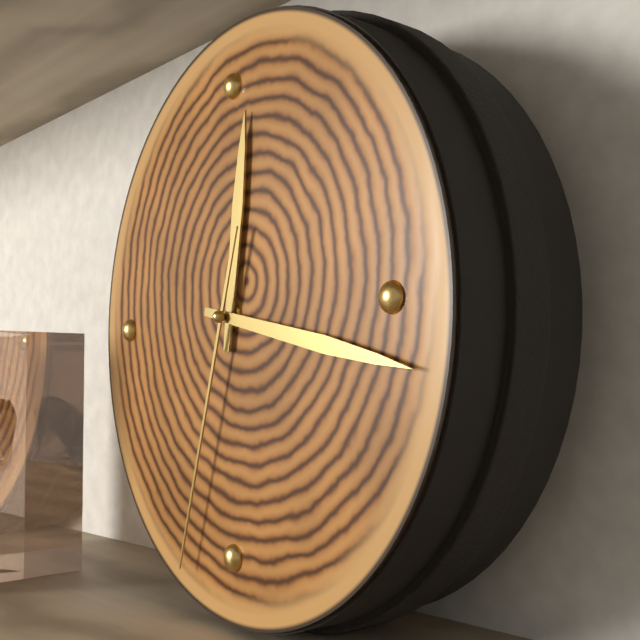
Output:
**12:17:33**
